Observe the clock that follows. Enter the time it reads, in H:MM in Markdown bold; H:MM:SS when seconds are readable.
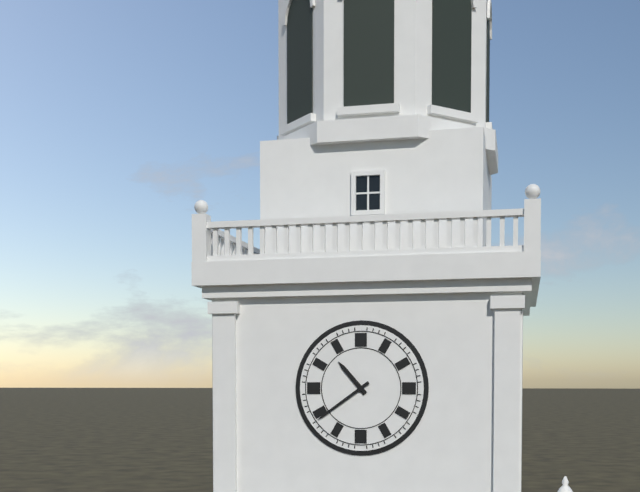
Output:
**10:39**
